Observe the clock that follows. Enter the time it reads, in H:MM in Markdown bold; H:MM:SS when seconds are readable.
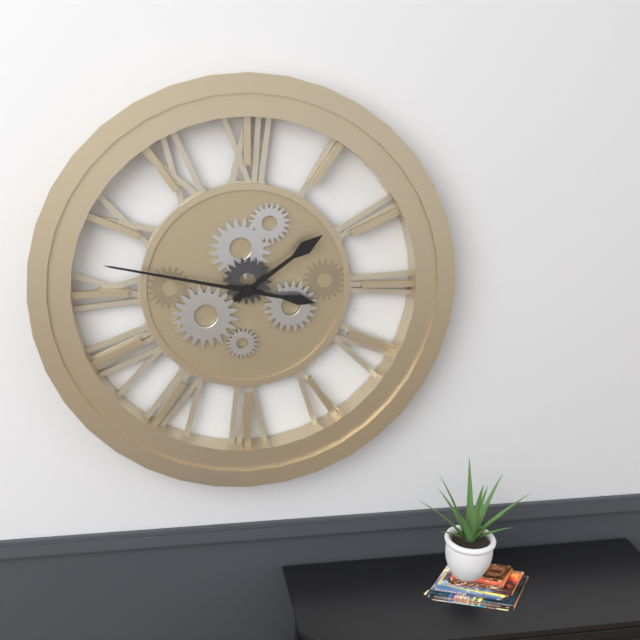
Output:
**1:47**
